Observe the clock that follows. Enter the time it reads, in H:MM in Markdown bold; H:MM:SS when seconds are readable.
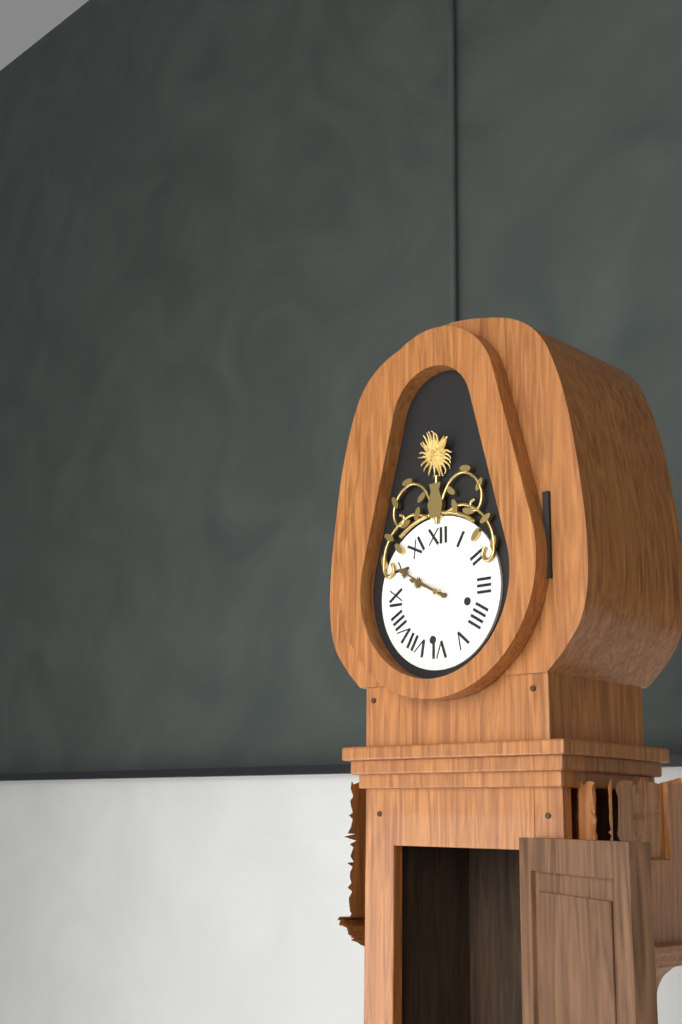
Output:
**9:50**
